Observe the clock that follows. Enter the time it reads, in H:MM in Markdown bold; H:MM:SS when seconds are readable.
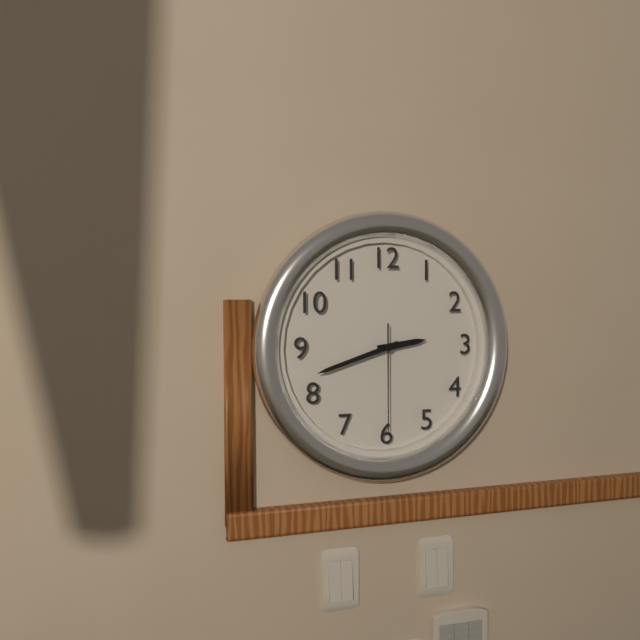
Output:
**2:42:30**
